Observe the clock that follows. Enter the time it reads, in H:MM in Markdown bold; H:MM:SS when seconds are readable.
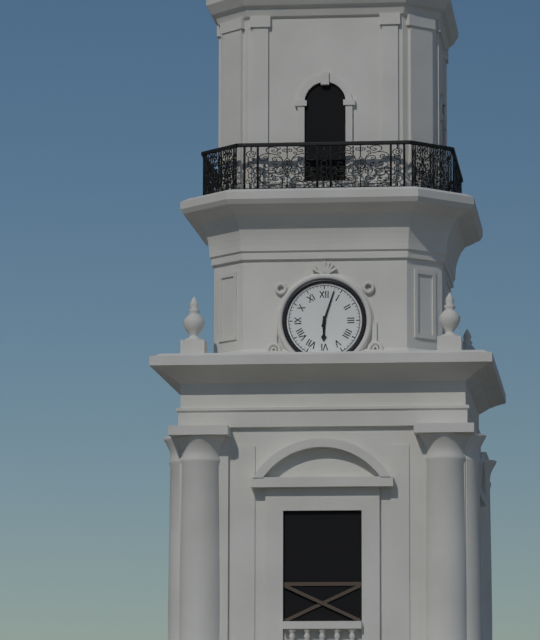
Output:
**6:03**
